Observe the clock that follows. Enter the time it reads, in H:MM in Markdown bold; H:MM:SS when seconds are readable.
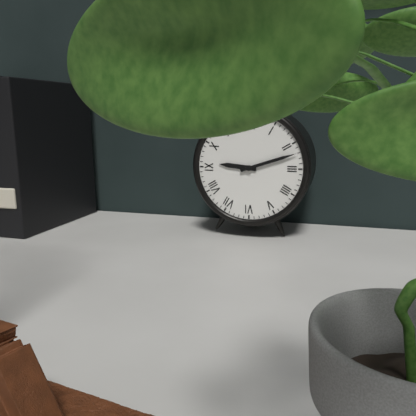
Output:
**9:12**
